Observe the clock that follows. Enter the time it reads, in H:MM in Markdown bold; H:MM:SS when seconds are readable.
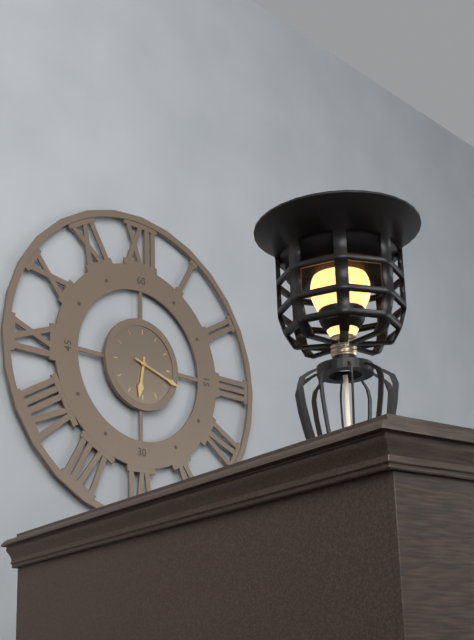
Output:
**6:18**
